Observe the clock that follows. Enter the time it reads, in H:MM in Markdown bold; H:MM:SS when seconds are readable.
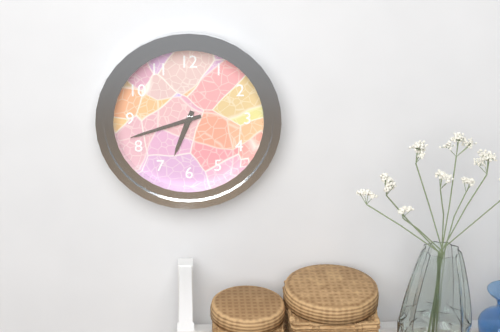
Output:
**6:42**
